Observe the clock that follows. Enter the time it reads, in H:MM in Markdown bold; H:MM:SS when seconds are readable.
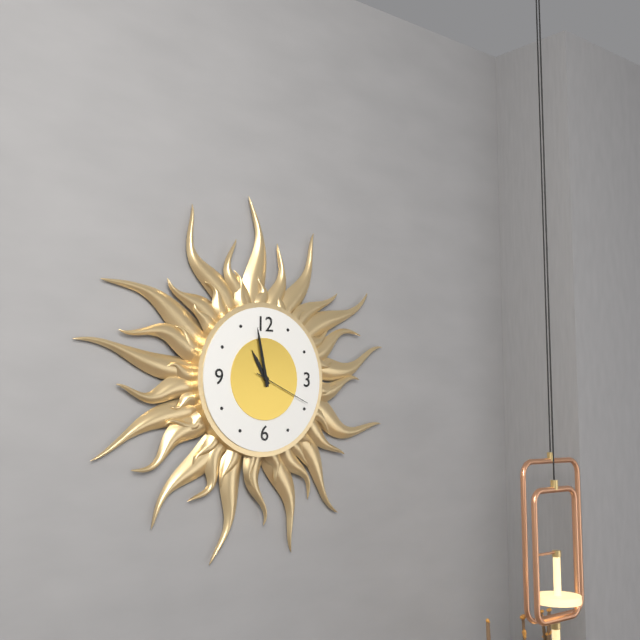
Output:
**10:58:19**
